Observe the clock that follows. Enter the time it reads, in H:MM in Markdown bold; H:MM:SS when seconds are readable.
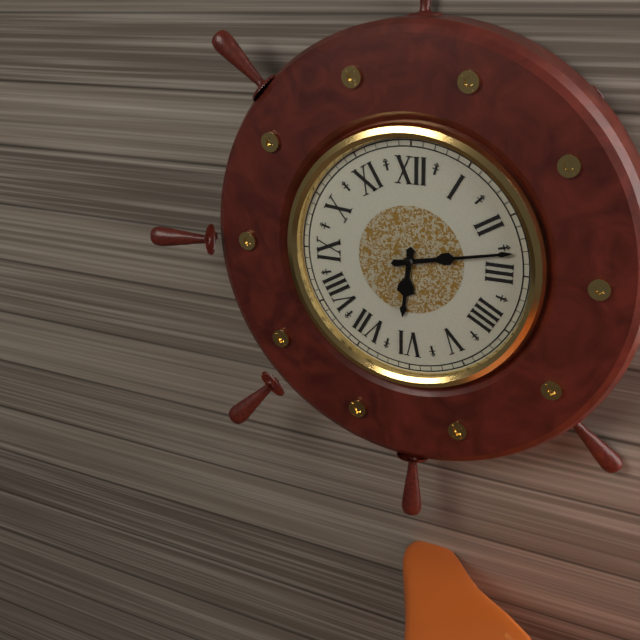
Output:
**6:13**
